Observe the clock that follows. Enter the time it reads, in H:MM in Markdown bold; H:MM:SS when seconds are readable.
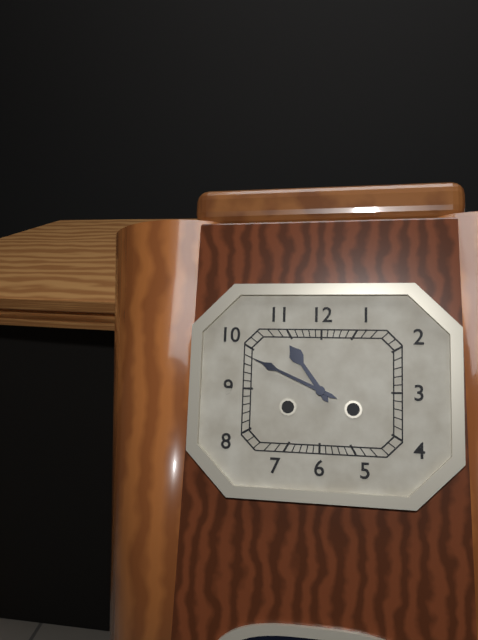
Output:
**10:49**
